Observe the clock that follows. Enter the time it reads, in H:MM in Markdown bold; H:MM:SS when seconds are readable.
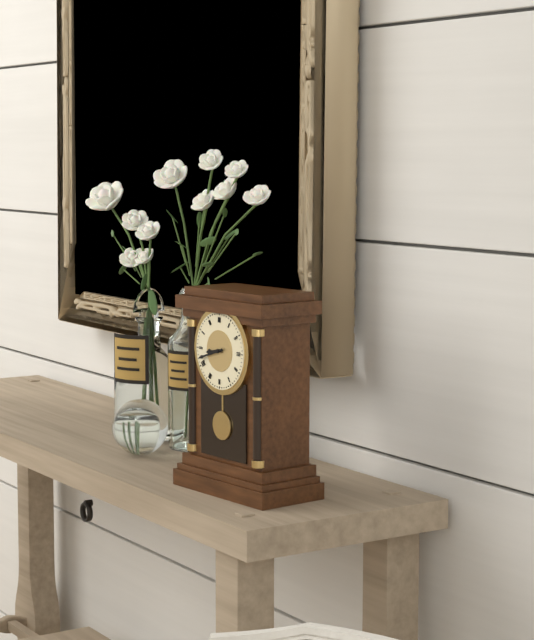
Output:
**8:42**
